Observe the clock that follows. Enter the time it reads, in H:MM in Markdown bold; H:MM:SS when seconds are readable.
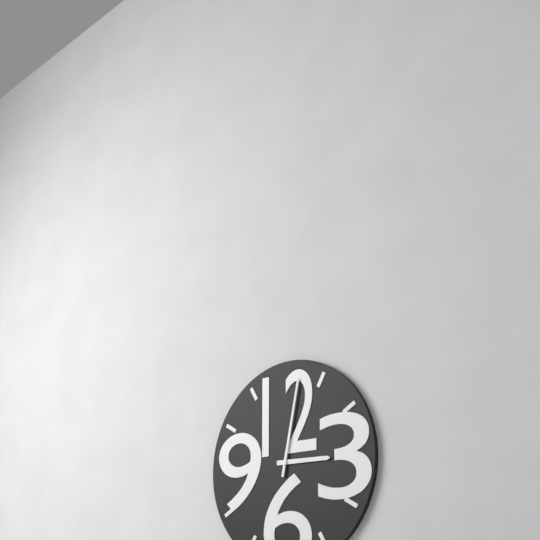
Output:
**3:02**
